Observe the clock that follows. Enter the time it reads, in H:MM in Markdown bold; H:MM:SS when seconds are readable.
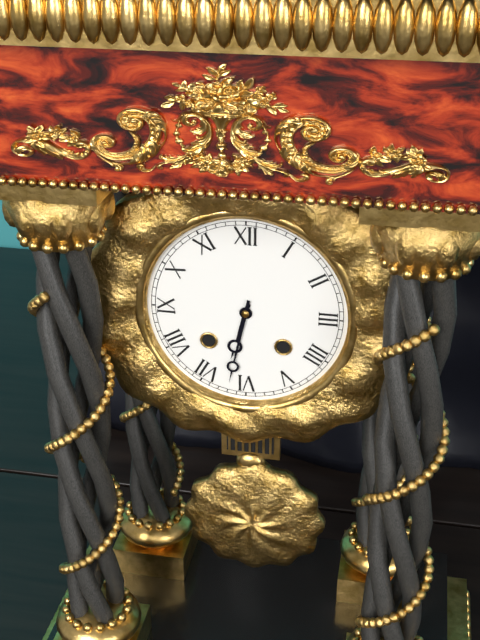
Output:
**6:32**
